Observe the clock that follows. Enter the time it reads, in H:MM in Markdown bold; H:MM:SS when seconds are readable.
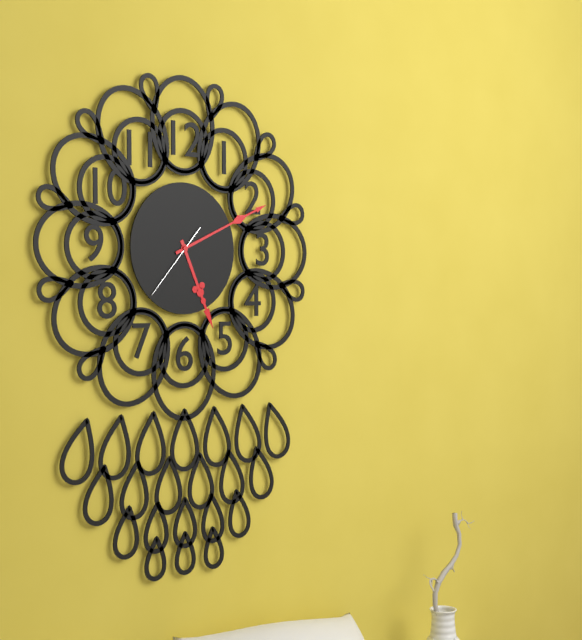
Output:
**5:11:37**
